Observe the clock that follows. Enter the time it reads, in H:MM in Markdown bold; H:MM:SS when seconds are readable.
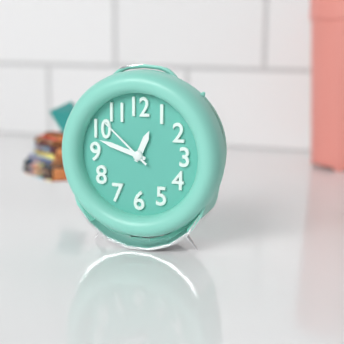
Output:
**12:48:52**
